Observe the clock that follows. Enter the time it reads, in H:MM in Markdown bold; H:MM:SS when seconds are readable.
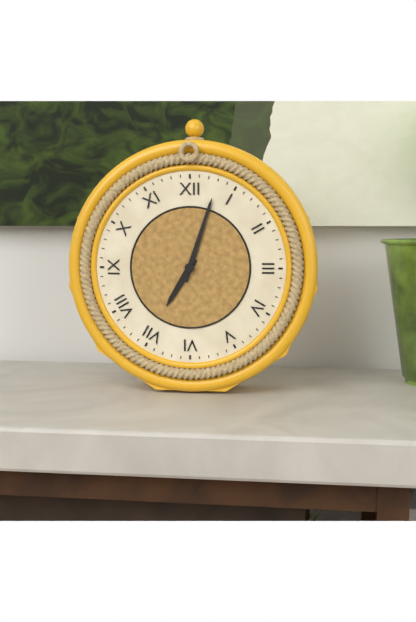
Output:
**7:03**
